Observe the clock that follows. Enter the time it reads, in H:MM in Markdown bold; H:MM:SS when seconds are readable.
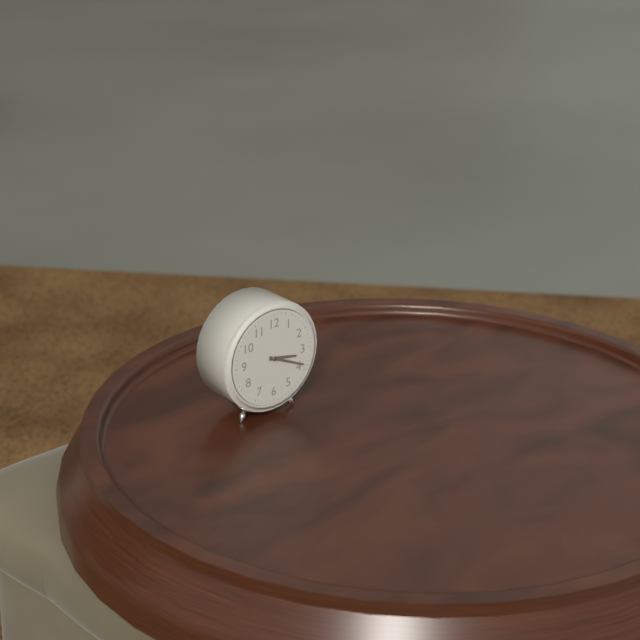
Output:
**3:19**
